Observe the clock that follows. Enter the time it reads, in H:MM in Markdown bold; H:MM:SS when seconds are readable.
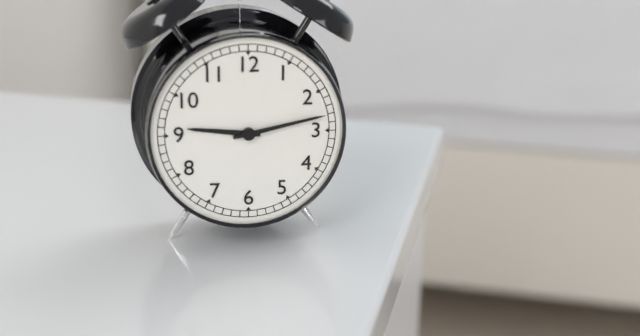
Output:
**9:13**
